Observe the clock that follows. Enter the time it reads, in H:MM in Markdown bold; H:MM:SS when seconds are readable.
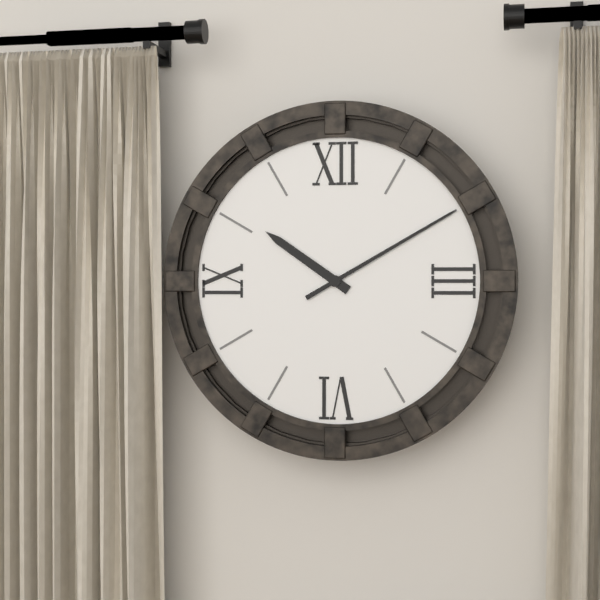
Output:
**10:10**
